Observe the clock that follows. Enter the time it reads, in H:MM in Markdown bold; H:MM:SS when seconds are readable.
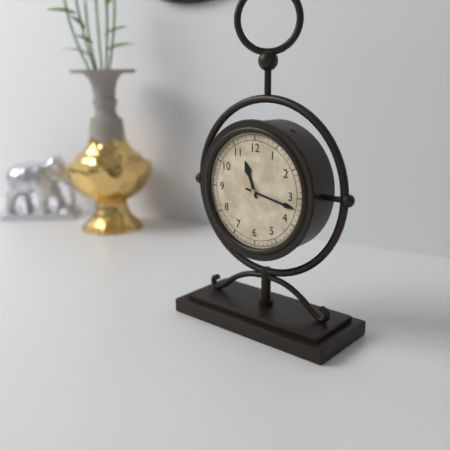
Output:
**11:17**
